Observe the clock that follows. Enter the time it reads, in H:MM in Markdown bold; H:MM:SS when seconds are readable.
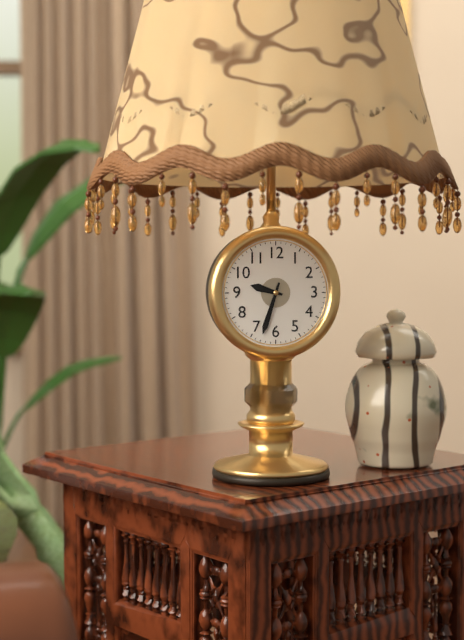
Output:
**9:33**
